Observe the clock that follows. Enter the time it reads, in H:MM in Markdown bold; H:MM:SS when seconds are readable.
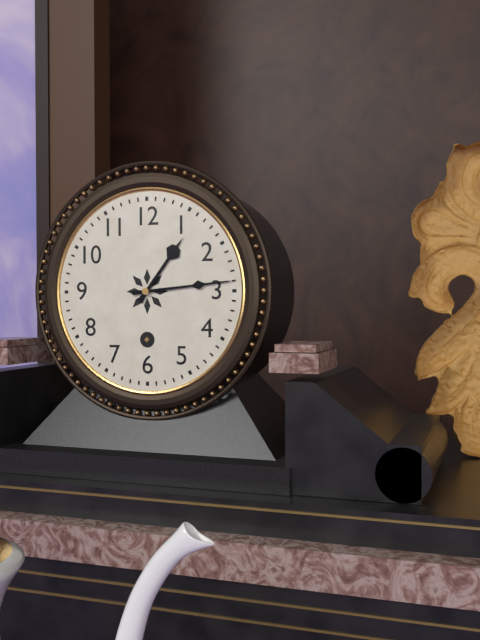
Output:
**1:14**
